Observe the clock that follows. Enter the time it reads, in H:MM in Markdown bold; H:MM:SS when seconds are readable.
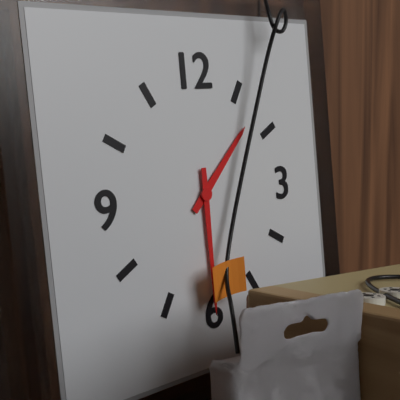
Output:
**1:30**
